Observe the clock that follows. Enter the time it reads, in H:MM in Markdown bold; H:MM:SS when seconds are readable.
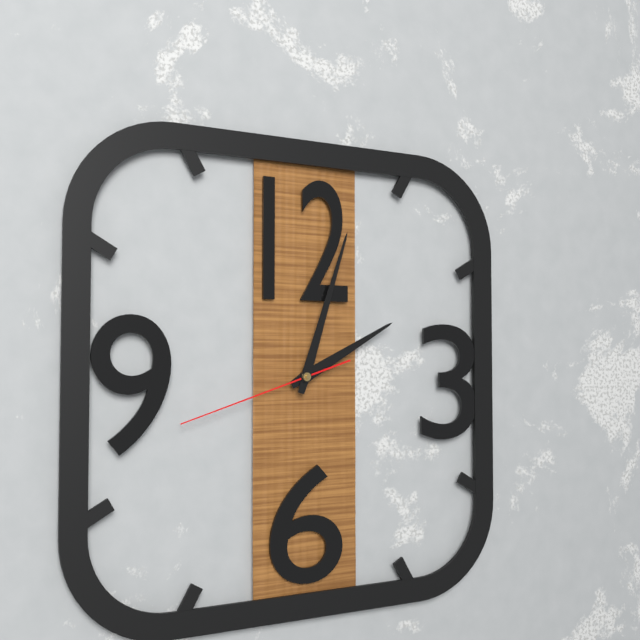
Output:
**2:03:42**
